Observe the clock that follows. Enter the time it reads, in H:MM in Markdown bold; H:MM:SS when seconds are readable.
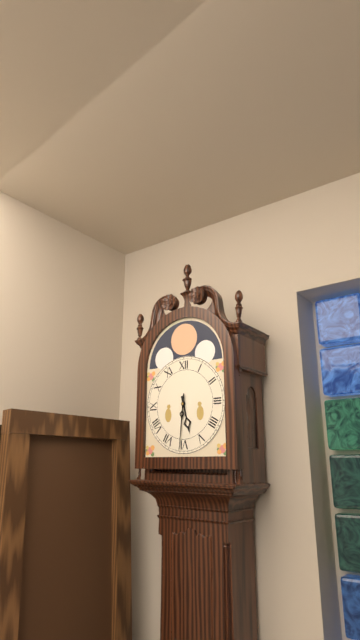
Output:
**5:31**
